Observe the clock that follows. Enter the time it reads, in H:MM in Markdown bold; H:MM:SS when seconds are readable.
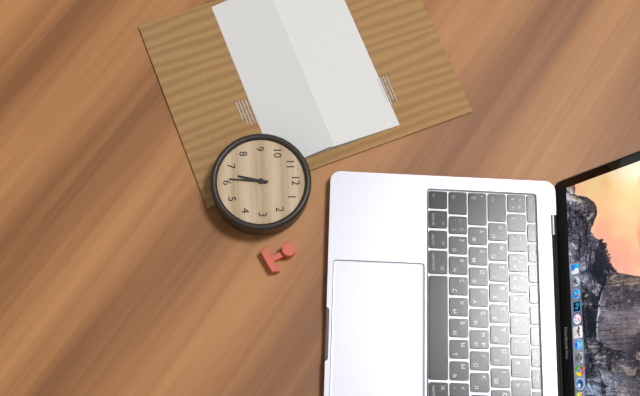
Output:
**6:31**
